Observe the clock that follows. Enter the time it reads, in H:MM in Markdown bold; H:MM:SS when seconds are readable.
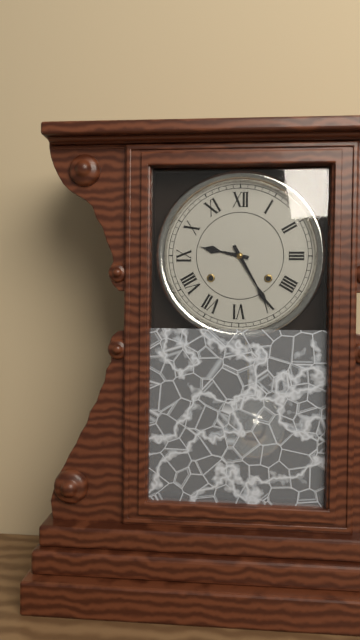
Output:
**9:25**
